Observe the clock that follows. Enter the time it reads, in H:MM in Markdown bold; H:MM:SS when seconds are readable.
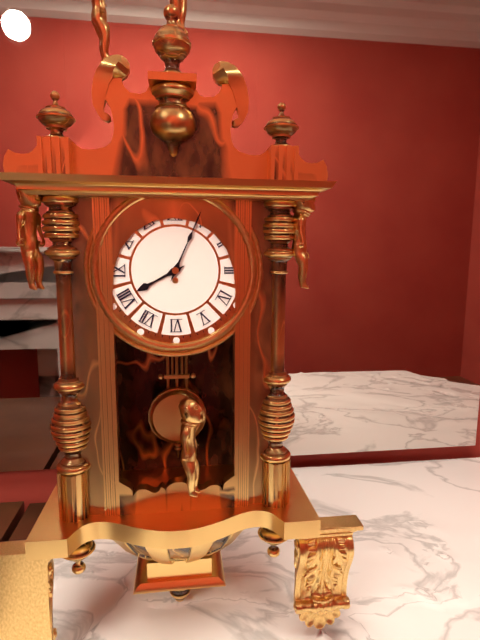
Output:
**8:04**
